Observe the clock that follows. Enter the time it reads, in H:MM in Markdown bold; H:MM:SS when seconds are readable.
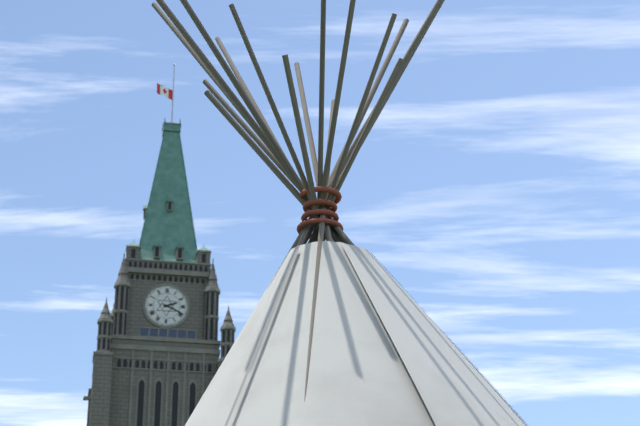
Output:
**2:19**
